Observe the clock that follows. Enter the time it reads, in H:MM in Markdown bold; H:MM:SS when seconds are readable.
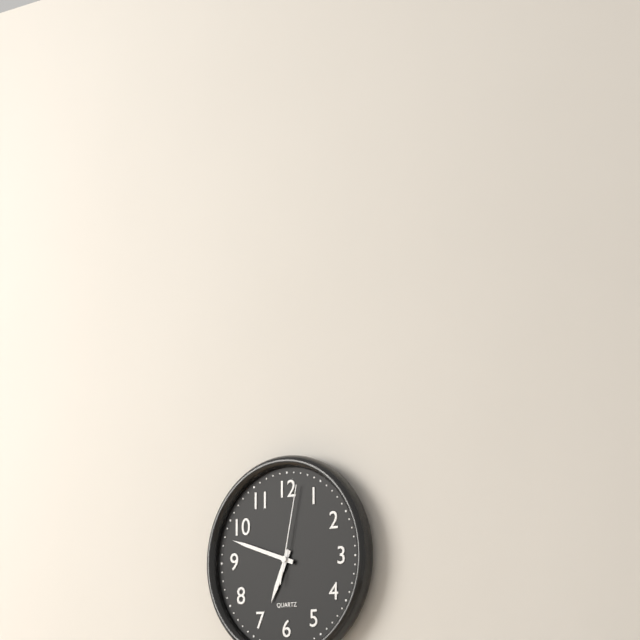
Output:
**6:48:02**
